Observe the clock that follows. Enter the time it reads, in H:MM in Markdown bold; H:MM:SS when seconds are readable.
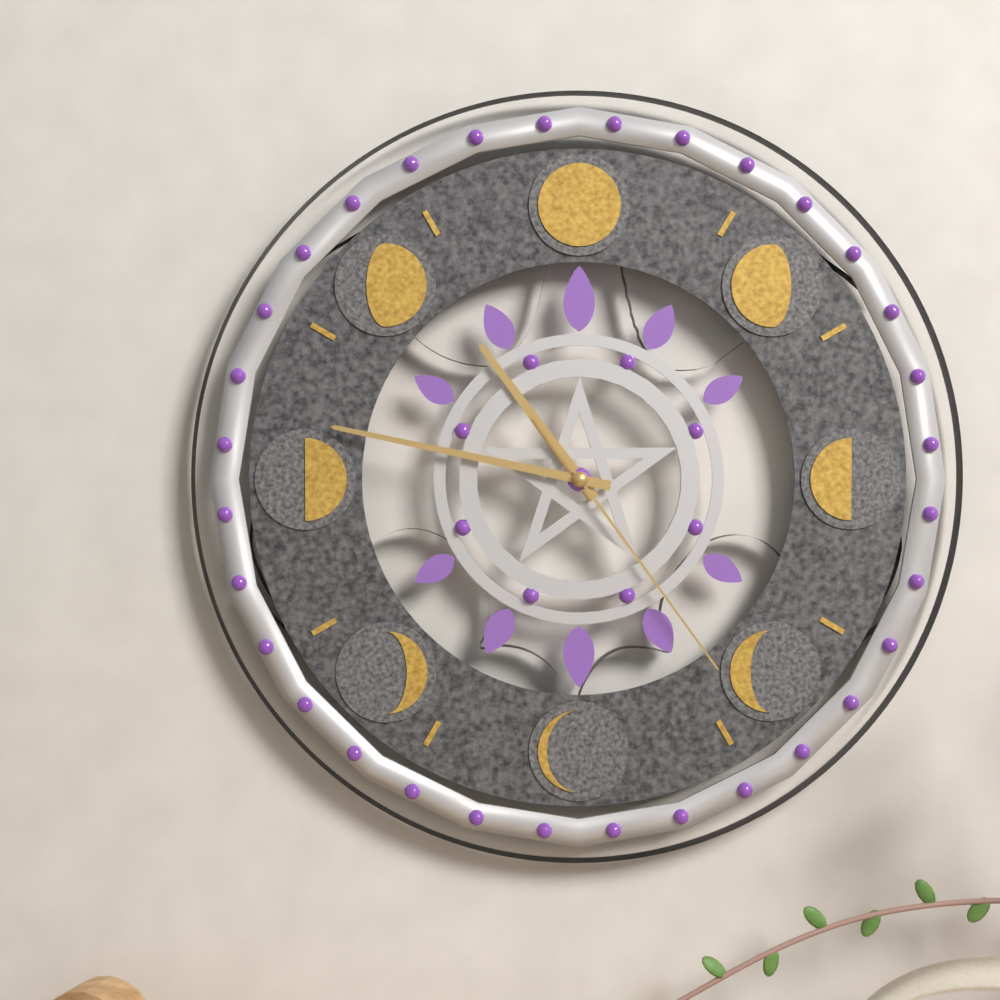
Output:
**10:47:24**
